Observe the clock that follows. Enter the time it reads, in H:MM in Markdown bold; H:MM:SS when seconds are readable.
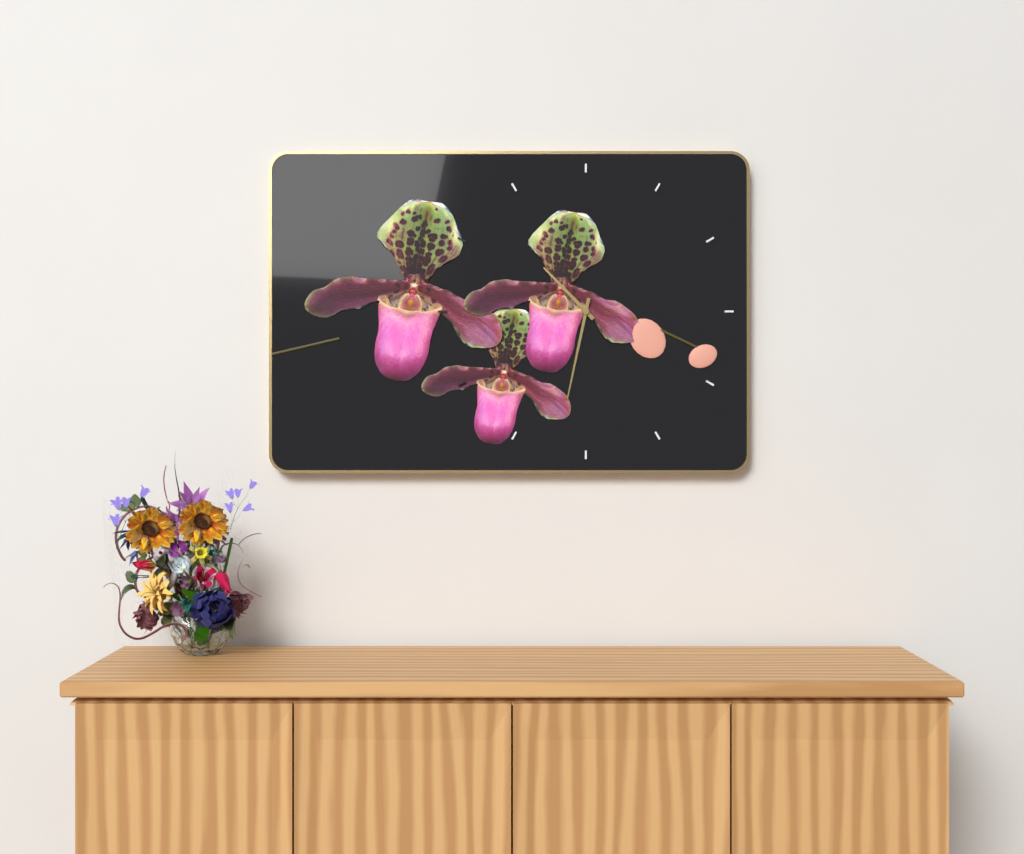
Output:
**10:32**
